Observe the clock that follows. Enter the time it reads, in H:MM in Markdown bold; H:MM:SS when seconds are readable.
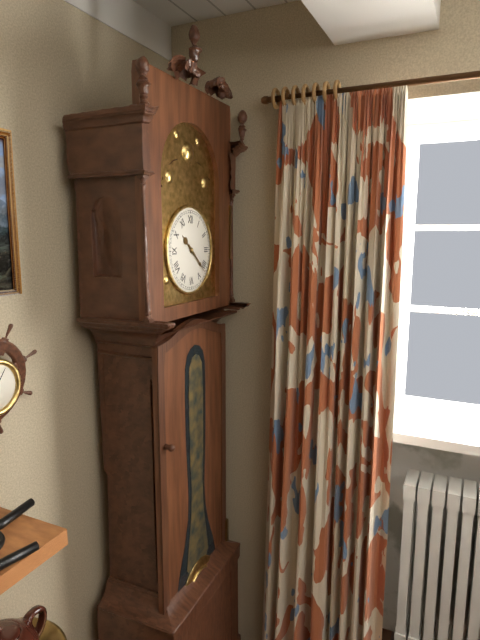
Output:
**10:22**
